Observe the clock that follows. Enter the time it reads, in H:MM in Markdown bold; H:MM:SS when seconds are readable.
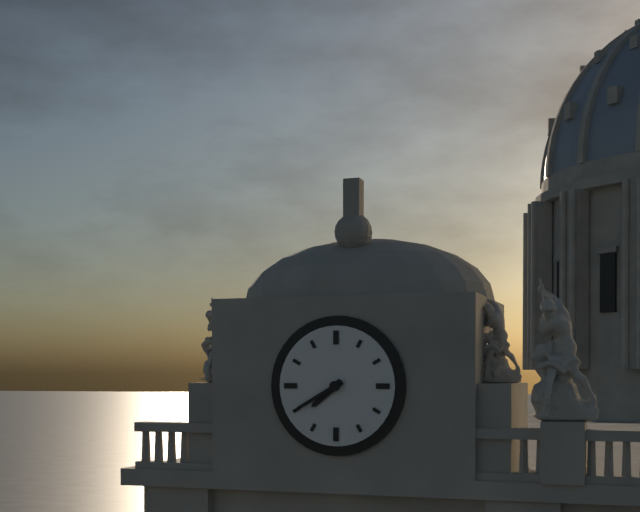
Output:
**7:40**
